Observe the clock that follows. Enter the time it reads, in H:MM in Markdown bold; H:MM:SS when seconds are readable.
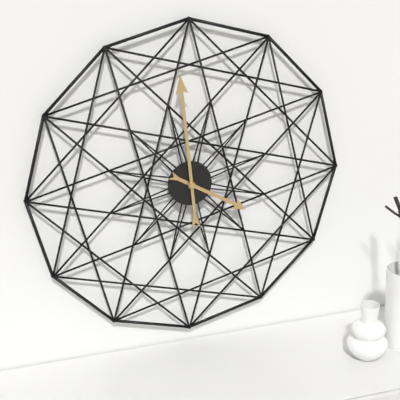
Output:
**3:59**
